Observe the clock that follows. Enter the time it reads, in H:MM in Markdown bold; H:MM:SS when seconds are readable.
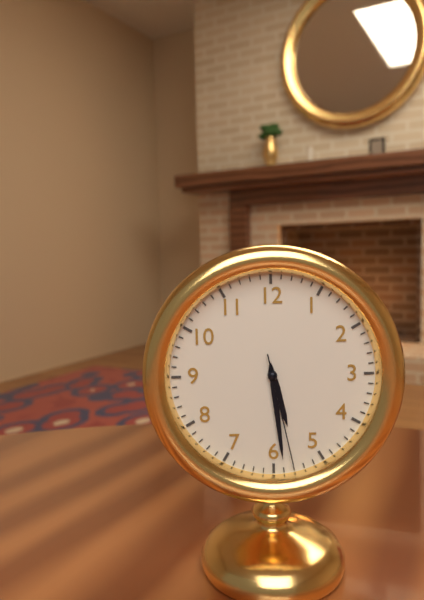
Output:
**5:29:28**
